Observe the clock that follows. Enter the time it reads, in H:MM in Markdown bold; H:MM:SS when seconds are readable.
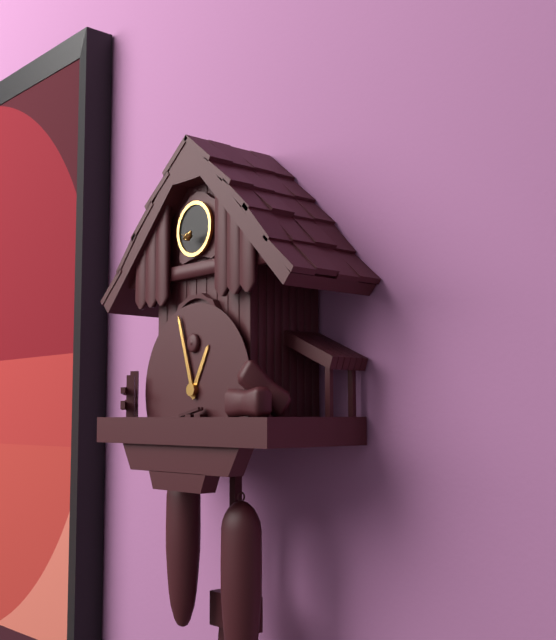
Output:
**12:57**
